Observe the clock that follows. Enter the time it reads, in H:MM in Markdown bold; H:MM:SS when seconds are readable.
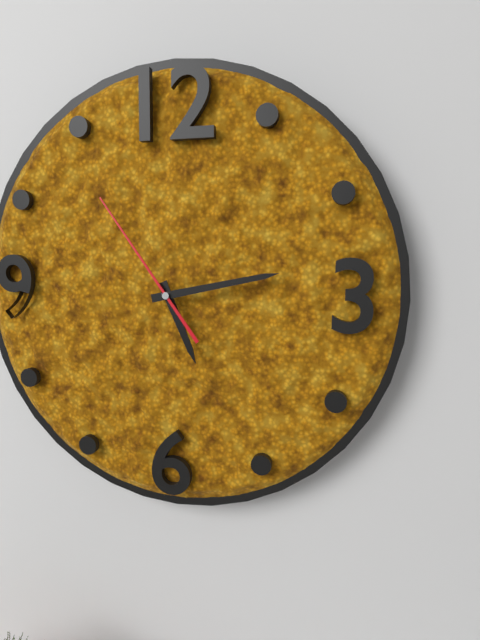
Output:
**5:13:54**
